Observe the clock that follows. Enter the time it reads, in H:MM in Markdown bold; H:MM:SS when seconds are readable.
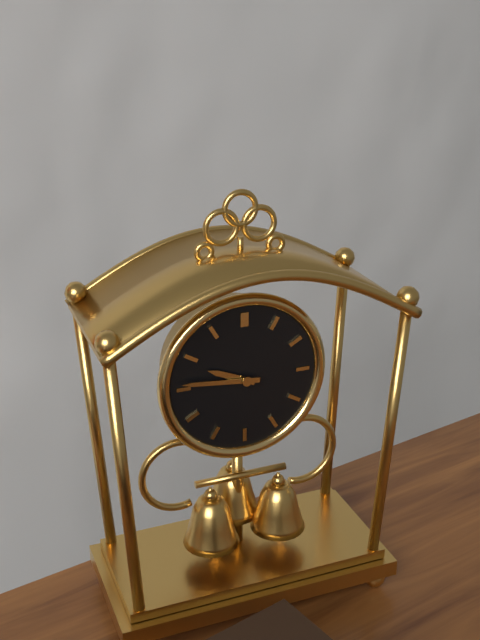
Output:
**9:46**
